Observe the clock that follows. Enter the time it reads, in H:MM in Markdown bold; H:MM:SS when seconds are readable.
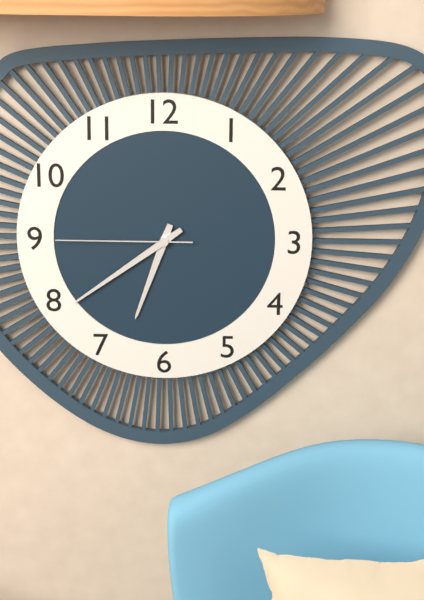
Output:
**6:39:45**
